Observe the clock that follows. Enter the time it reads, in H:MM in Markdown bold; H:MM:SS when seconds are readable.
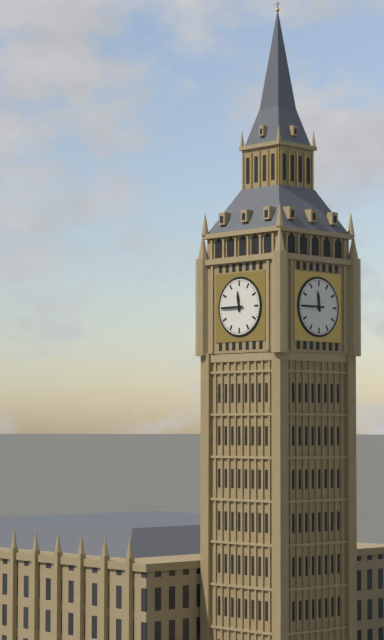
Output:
**11:45**
